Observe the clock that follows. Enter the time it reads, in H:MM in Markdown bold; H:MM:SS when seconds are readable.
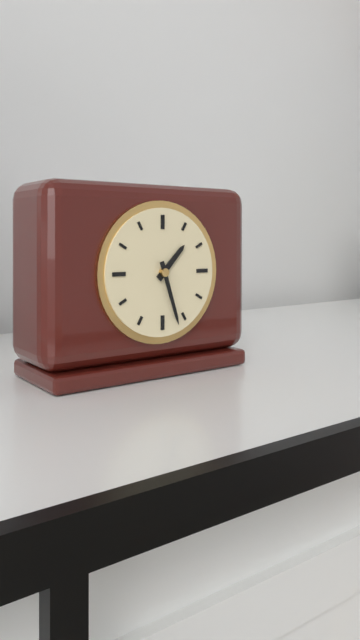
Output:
**1:27**
